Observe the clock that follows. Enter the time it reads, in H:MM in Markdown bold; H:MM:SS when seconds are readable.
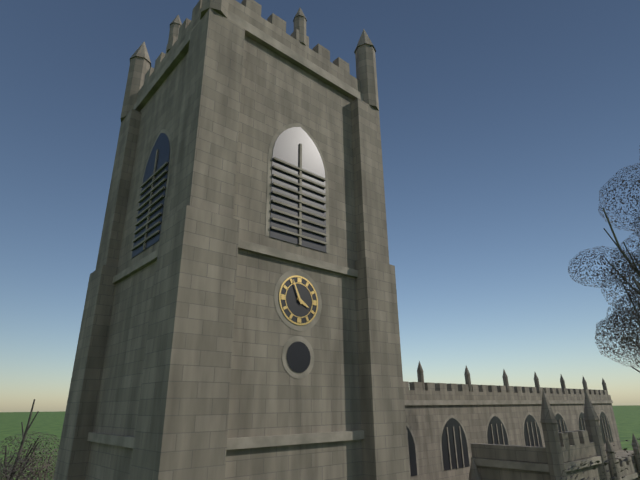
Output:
**3:56**
